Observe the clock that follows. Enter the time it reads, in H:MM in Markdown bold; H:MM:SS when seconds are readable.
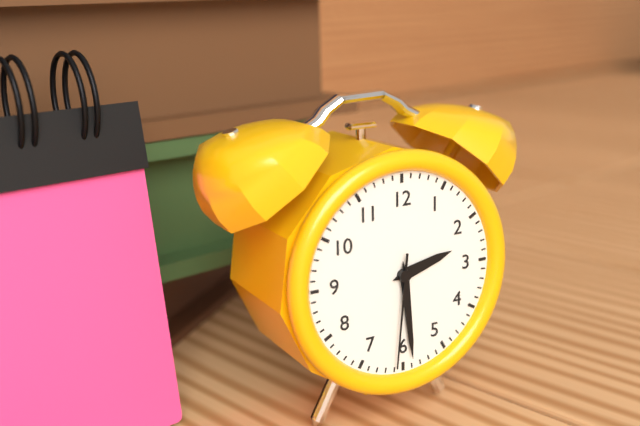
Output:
**2:29:31**
